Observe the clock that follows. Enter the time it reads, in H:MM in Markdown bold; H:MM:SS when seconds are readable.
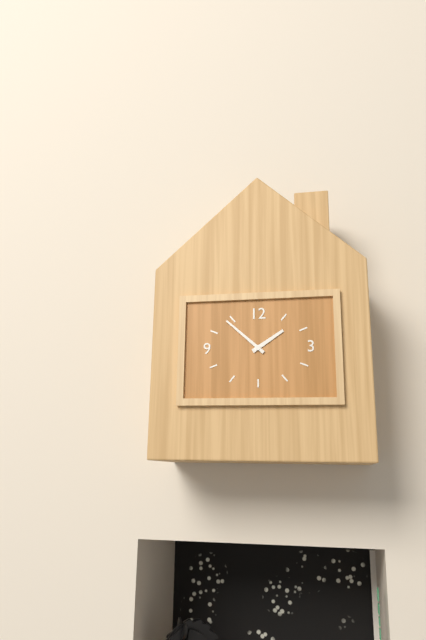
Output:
**1:52**
